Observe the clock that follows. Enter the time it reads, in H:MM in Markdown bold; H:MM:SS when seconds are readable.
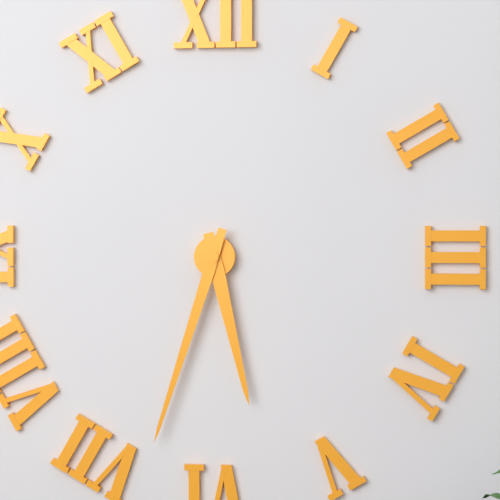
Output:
**5:33**
